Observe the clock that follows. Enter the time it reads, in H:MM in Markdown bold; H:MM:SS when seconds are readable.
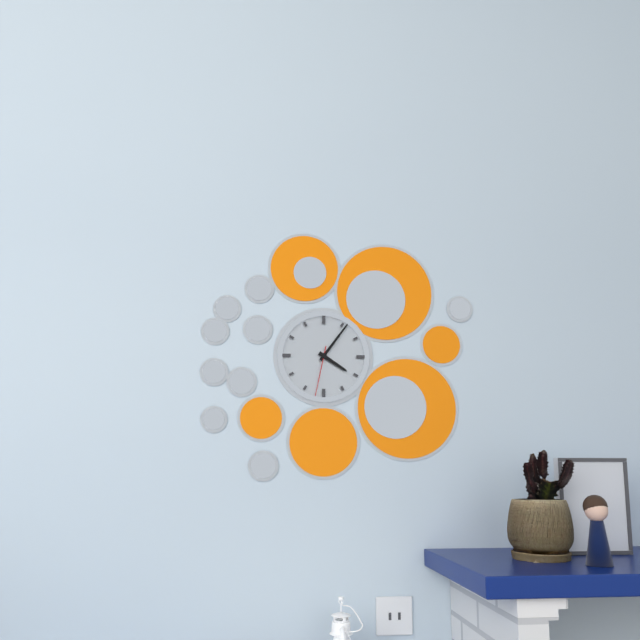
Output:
**4:06:32**
